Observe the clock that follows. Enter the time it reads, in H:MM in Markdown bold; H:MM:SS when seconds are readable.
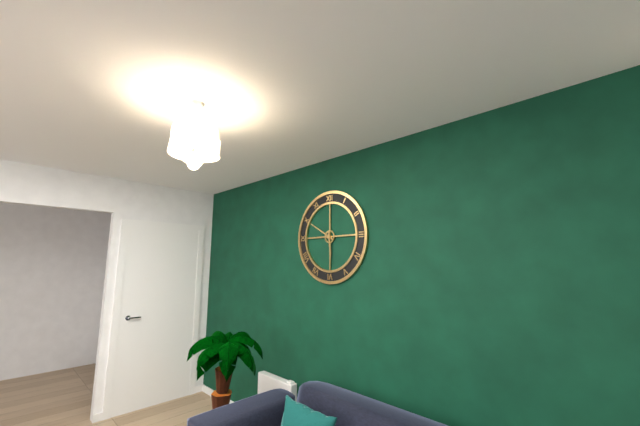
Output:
**5:50**
